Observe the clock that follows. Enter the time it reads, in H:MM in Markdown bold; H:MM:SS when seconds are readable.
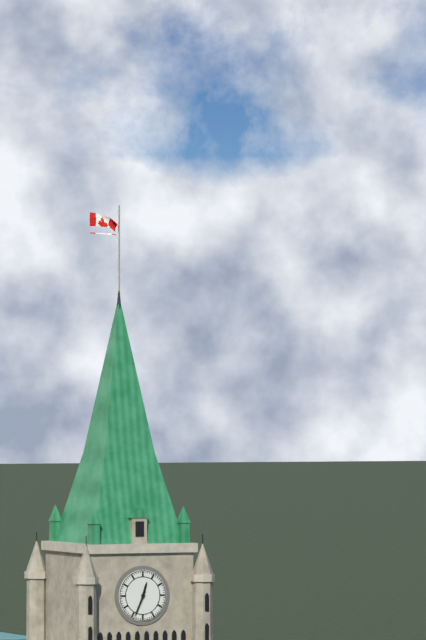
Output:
**12:34**
